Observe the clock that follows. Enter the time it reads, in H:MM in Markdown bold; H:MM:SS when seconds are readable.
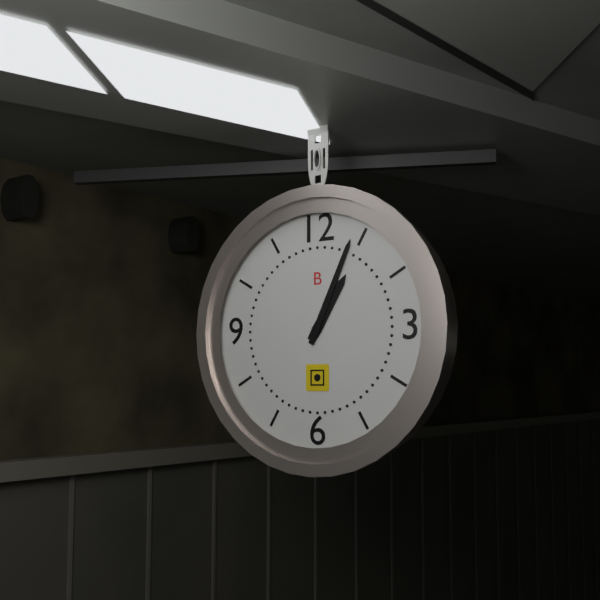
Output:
**1:04**
